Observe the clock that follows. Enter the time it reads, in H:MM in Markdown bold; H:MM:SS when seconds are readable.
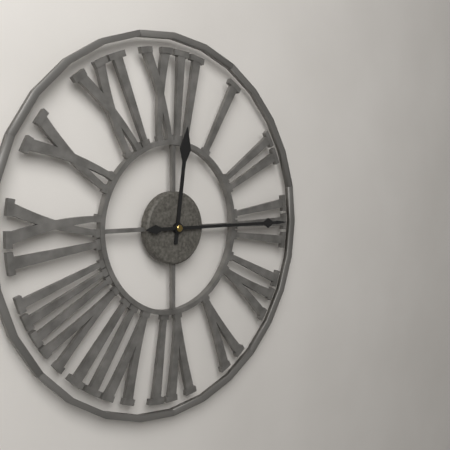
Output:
**12:15**
